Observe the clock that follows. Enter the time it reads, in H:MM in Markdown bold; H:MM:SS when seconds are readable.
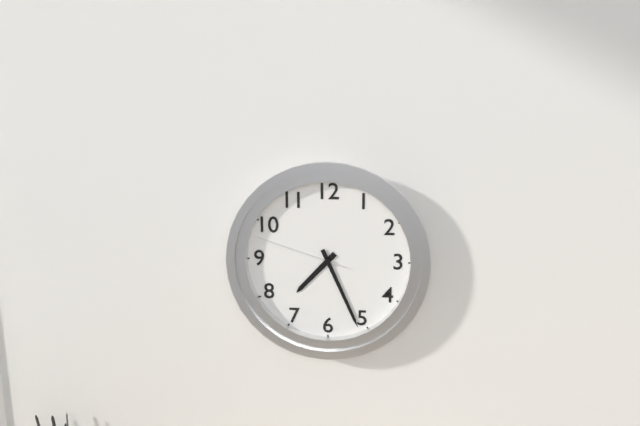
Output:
**7:26:48**
